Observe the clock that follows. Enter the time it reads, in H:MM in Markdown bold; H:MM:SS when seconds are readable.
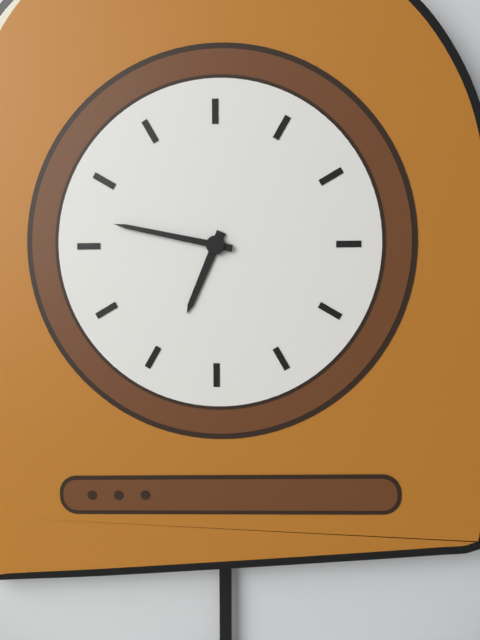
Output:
**6:47**
